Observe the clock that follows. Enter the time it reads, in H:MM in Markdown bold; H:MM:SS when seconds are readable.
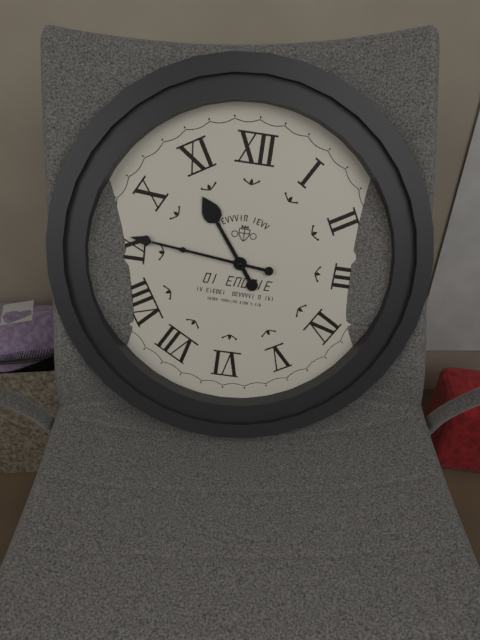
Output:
**10:46**
